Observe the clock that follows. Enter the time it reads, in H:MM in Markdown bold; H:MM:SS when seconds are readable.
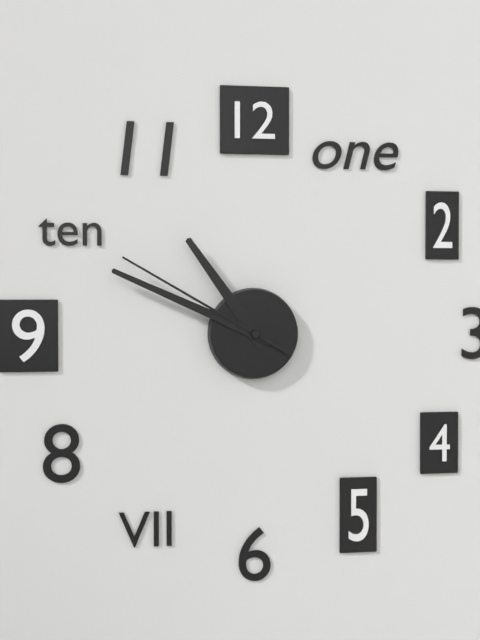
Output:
**10:49:50**
